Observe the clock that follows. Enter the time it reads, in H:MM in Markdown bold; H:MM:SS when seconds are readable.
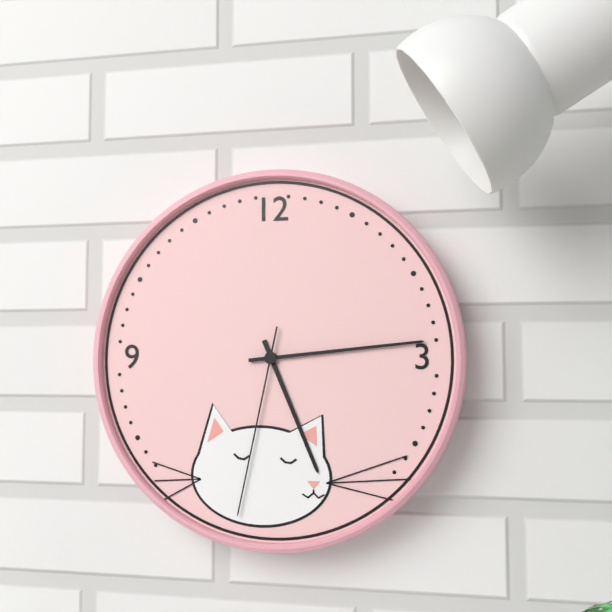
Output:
**5:14:32**
